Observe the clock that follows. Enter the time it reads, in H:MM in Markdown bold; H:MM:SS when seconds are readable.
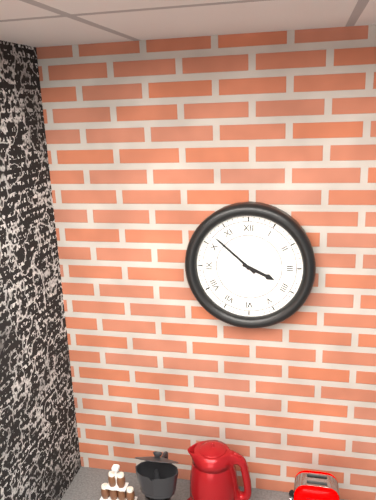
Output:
**3:52**
